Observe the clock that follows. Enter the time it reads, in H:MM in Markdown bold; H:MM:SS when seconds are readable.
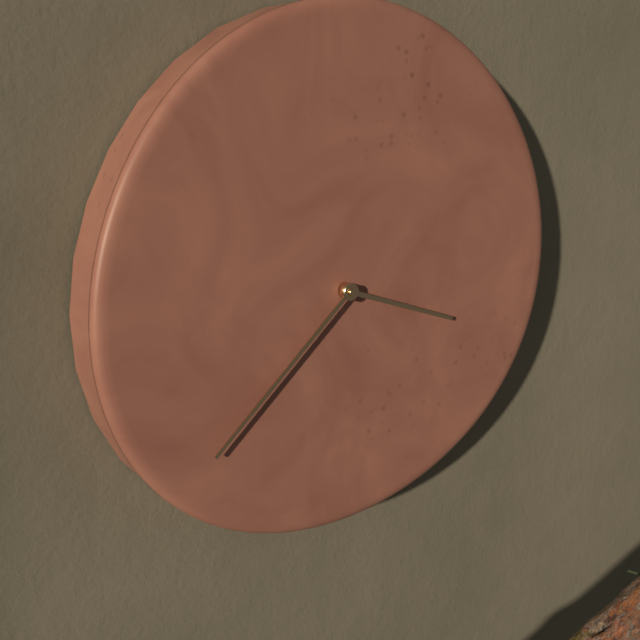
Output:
**3:38**
